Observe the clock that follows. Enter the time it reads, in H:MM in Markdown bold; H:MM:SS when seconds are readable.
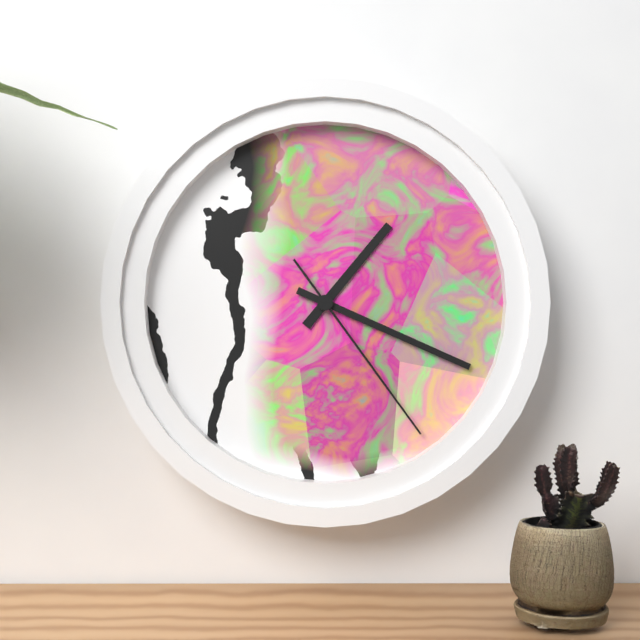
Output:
**1:19:24**
